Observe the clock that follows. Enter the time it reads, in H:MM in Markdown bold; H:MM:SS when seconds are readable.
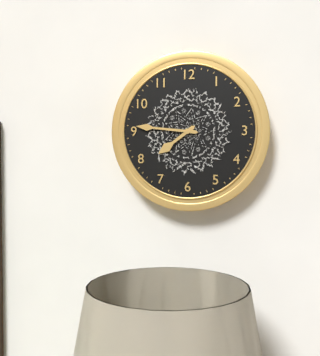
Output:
**7:46**
